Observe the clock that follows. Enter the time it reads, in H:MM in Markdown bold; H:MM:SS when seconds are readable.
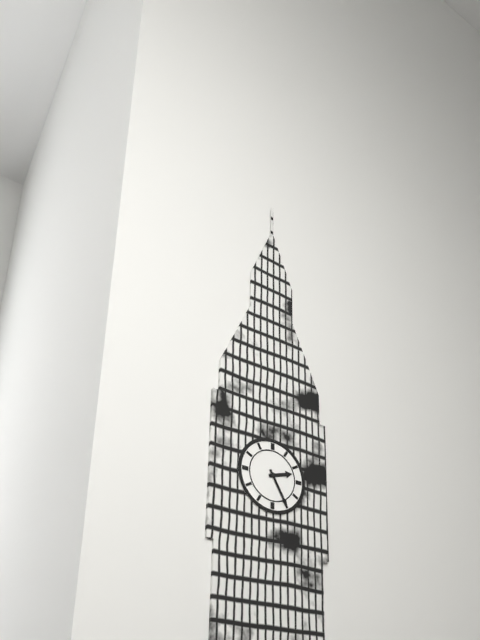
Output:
**2:25**
